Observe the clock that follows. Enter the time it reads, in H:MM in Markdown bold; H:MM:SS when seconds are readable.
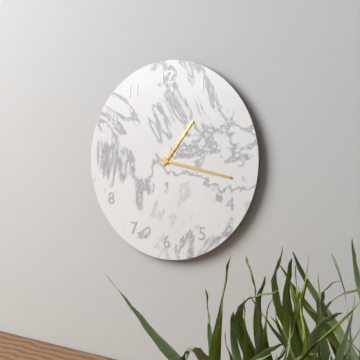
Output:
**1:17**
